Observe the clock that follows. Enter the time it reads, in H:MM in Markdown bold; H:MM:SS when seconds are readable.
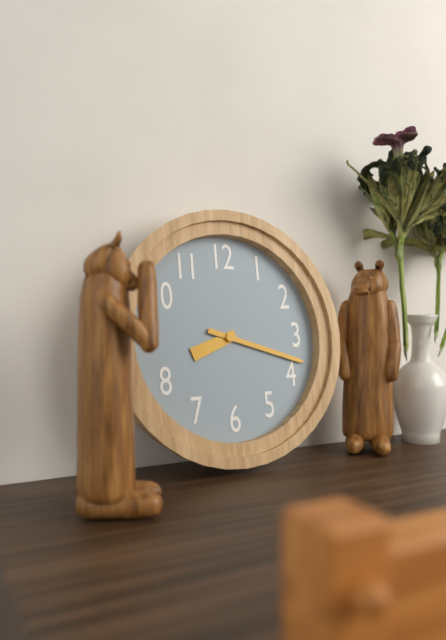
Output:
**8:18**
